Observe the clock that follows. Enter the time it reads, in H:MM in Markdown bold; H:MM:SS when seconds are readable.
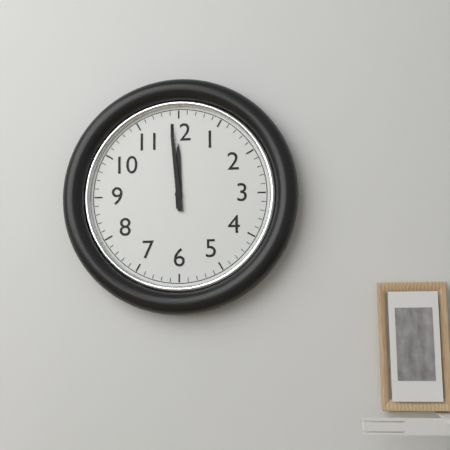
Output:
**11:59**
